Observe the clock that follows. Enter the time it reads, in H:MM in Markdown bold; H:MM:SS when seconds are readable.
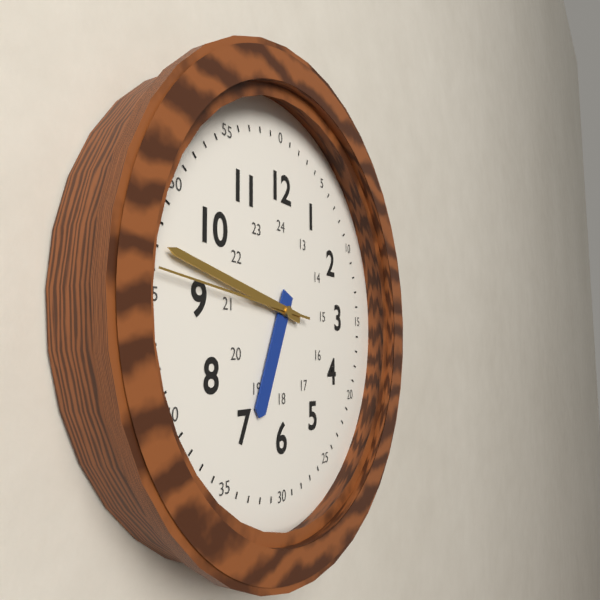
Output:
**6:47:46**
